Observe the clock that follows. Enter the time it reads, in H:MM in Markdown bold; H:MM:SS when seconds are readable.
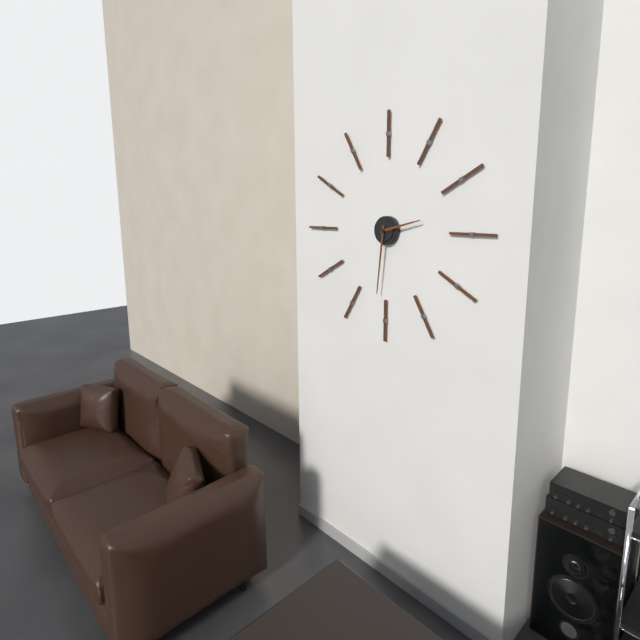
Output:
**2:31**
